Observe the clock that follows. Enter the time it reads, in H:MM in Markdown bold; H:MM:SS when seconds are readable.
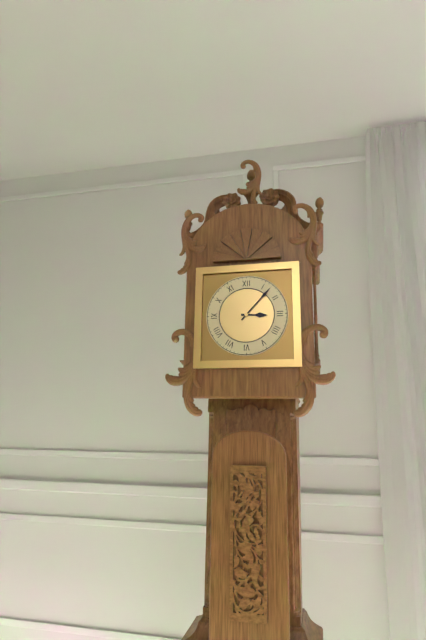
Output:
**3:07**
